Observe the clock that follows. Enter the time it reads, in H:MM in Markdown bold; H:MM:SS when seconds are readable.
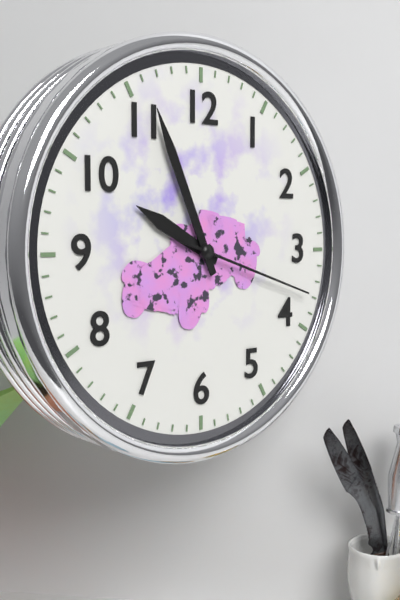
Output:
**9:56:18**
